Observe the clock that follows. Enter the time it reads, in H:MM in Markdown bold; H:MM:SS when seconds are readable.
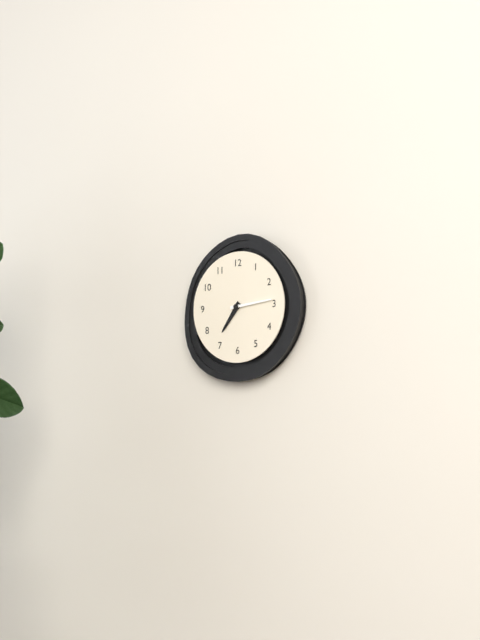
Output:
**7:14**
